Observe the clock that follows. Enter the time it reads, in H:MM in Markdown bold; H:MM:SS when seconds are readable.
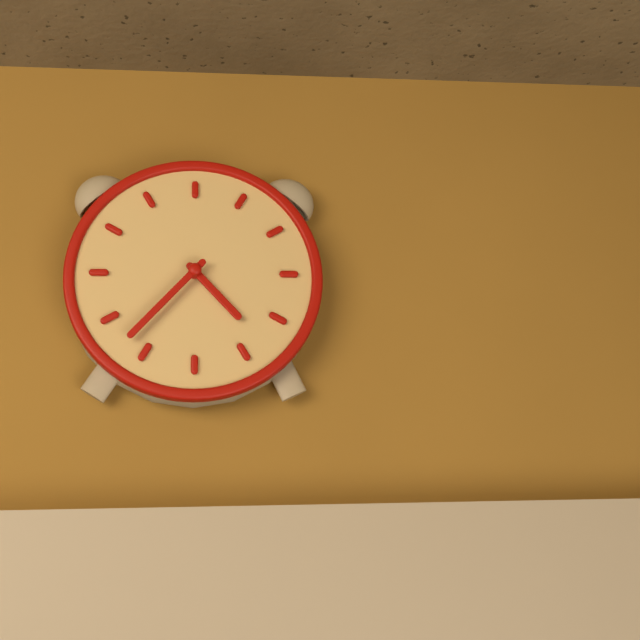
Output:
**4:37**
